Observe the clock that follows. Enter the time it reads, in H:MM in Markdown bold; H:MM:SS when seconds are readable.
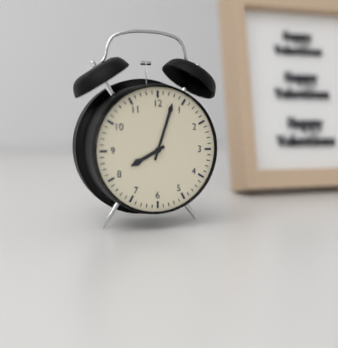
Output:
**8:03**
